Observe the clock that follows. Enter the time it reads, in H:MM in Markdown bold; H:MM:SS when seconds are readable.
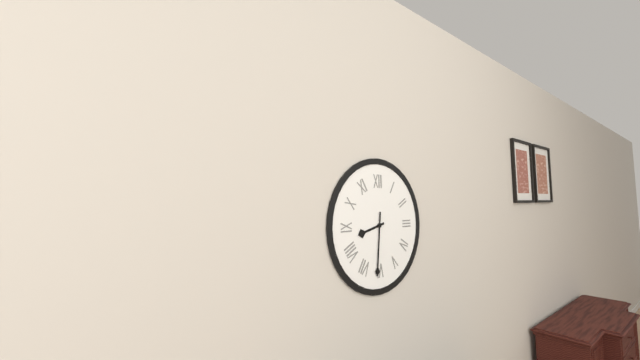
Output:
**8:31**
